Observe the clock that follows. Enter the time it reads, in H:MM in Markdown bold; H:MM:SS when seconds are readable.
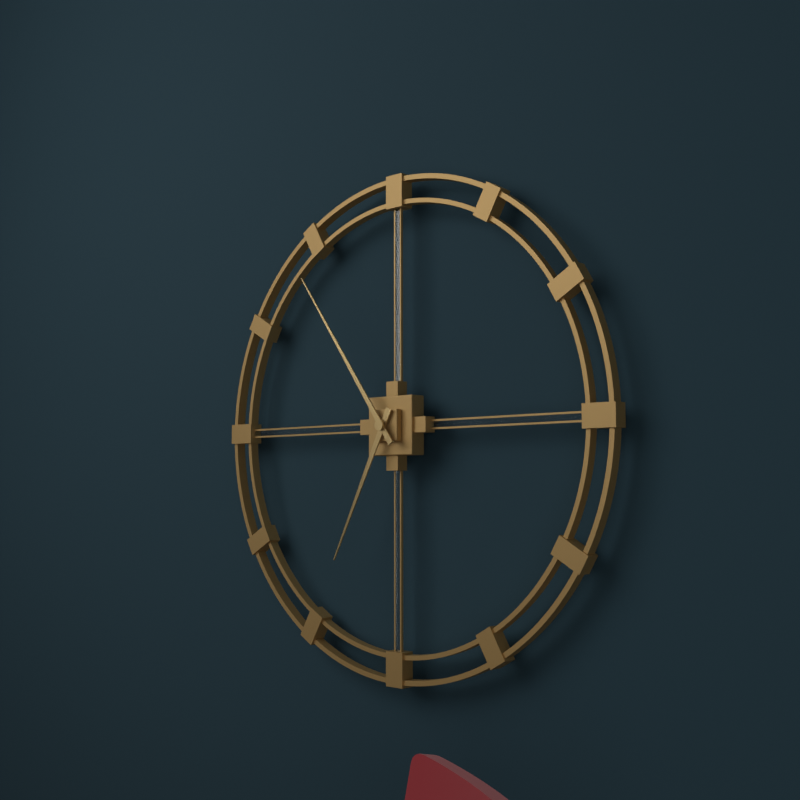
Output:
**6:54**
